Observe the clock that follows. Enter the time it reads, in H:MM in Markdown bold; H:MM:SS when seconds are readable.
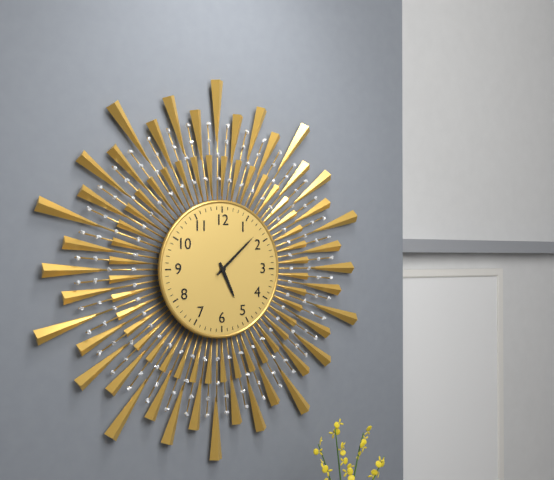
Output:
**5:08**
